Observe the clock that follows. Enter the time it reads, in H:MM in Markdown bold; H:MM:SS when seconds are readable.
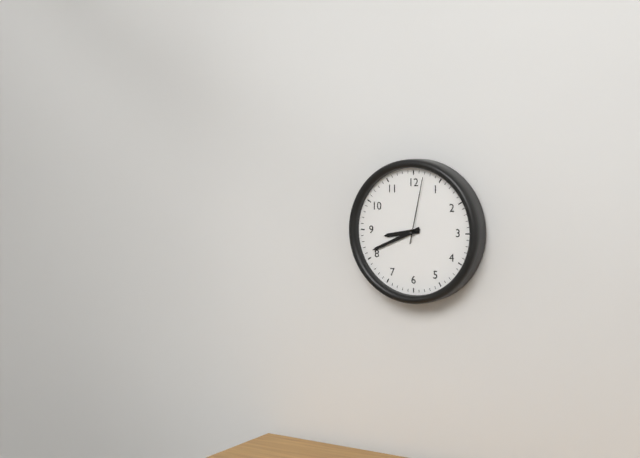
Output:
**8:41:02**
